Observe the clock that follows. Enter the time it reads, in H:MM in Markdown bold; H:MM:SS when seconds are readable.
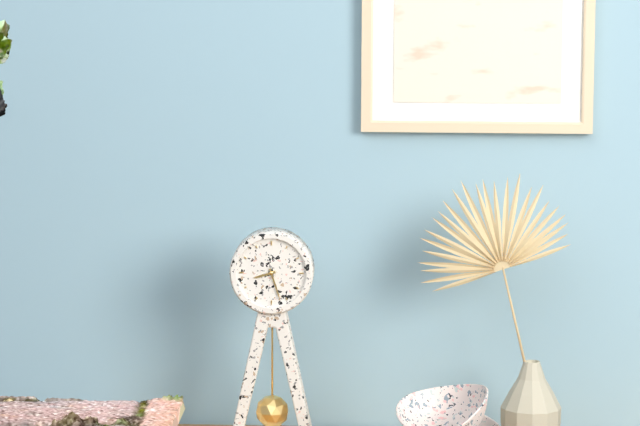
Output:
**8:27**
